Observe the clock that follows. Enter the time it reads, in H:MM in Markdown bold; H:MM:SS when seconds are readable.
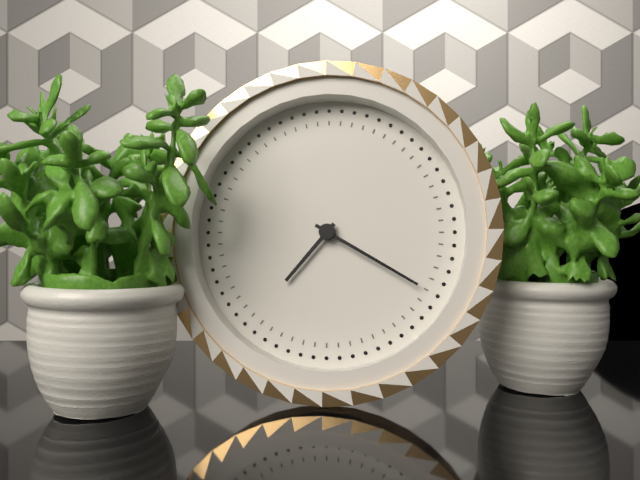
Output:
**7:20**
